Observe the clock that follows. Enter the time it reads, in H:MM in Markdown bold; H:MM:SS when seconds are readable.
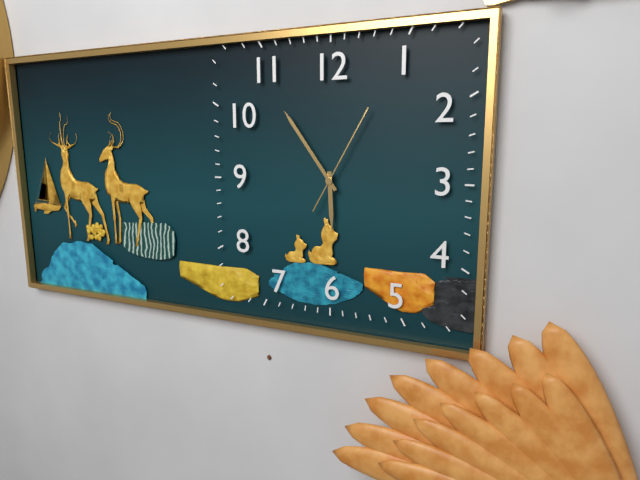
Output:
**5:54:05**
